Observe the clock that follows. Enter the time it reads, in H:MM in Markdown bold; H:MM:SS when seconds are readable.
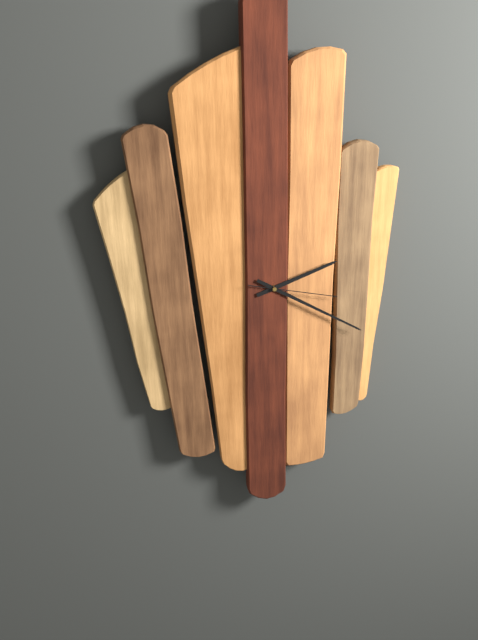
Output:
**2:20:17**
